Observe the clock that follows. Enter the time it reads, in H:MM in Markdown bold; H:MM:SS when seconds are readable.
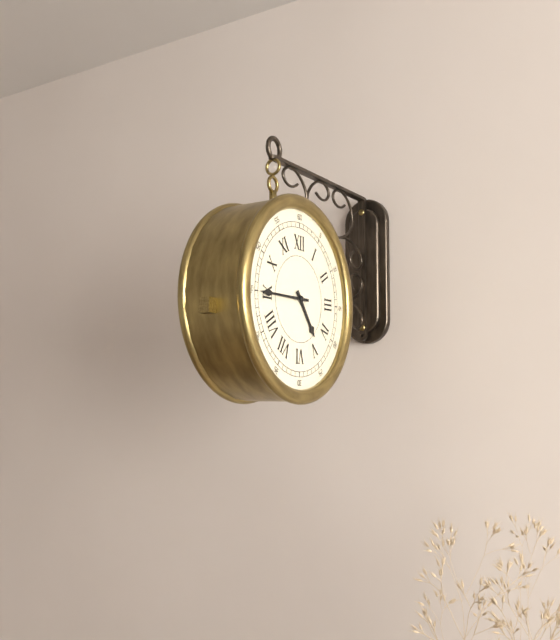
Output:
**4:45**
